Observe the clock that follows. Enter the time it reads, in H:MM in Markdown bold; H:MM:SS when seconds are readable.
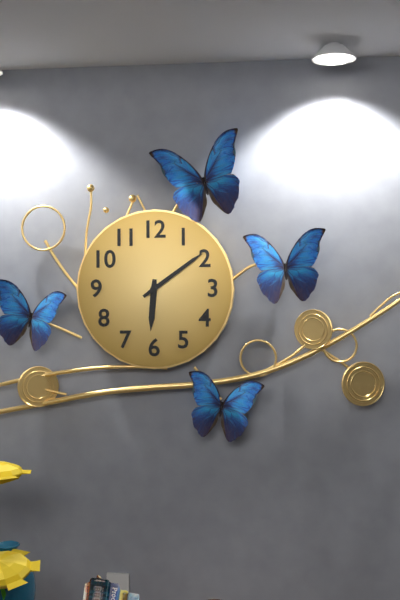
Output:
**6:09**
